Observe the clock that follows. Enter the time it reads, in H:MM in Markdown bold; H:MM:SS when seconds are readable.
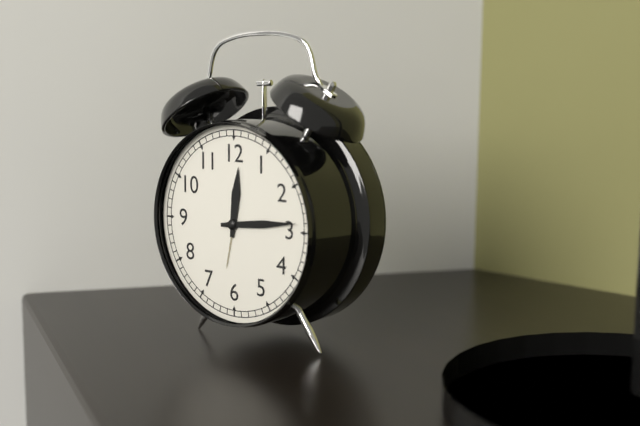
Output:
**12:14**
